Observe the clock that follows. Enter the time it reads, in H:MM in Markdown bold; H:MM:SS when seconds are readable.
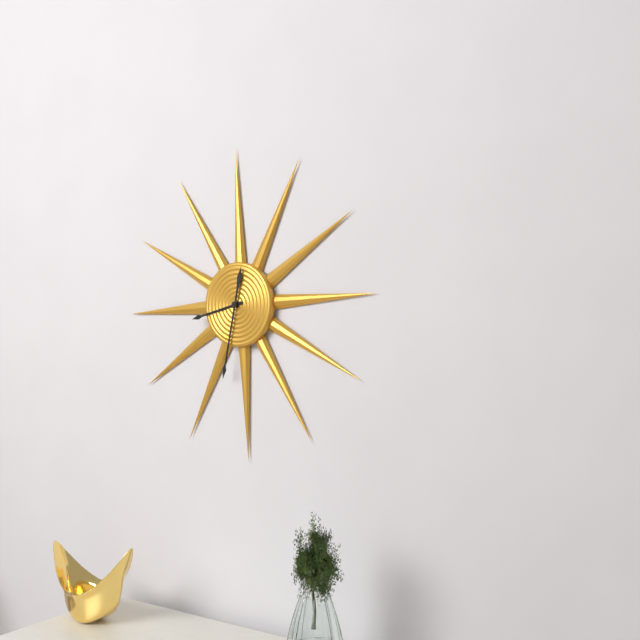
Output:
**8:32**
